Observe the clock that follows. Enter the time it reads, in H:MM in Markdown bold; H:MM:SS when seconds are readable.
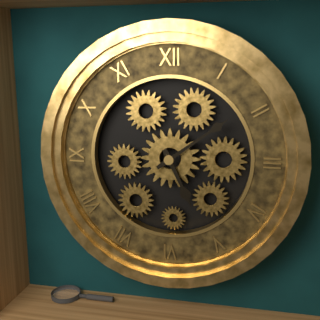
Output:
**5:09**
